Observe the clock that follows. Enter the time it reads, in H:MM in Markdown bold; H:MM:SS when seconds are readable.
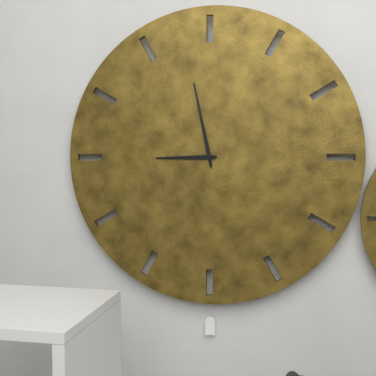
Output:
**8:58**
